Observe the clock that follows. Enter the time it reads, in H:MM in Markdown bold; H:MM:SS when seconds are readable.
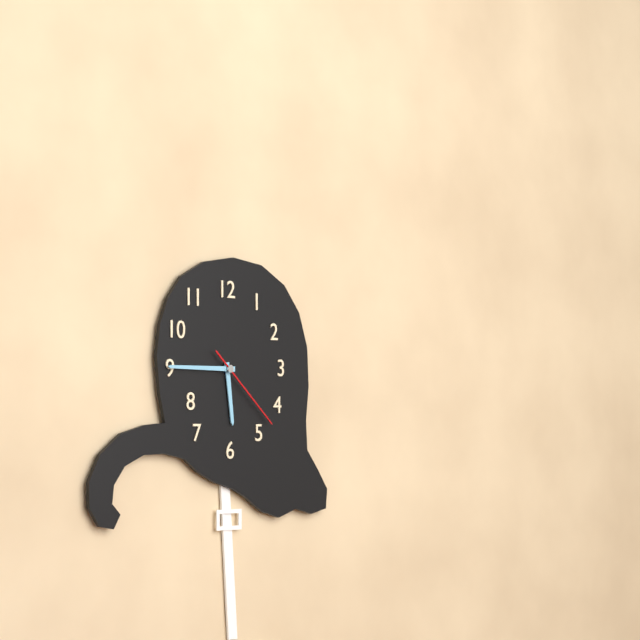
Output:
**5:45:22**
